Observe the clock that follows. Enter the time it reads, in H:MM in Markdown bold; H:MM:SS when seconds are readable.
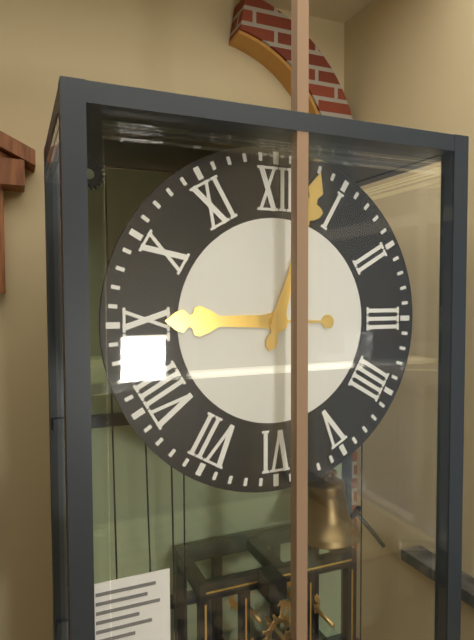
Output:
**9:03**
